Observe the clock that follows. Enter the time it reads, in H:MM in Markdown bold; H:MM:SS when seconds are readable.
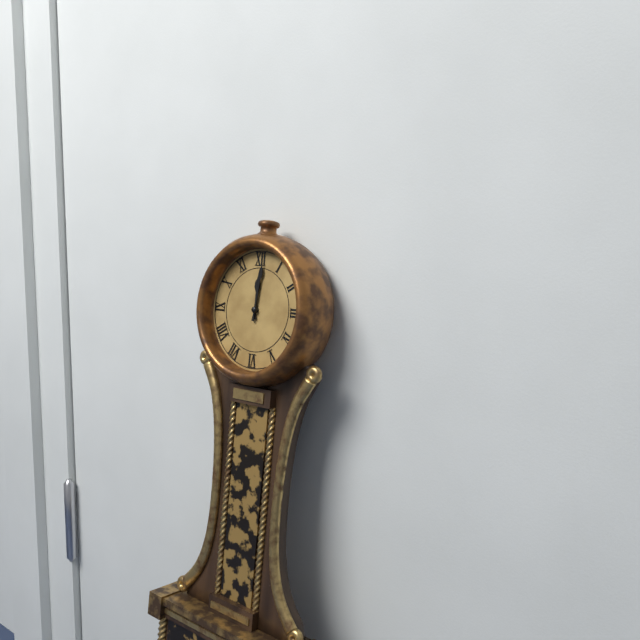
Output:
**12:01**
